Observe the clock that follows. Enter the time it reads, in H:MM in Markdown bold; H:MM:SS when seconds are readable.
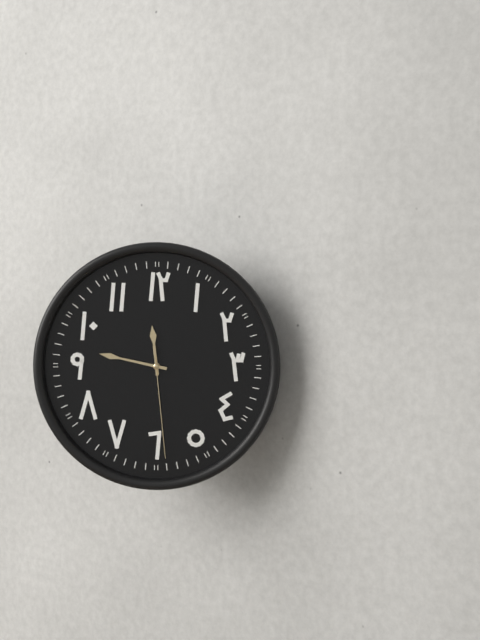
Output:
**11:47:29**
